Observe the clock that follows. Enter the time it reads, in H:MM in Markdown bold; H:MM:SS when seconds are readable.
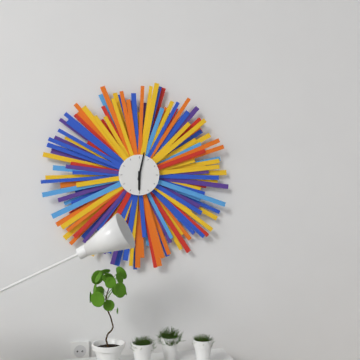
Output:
**6:02**
